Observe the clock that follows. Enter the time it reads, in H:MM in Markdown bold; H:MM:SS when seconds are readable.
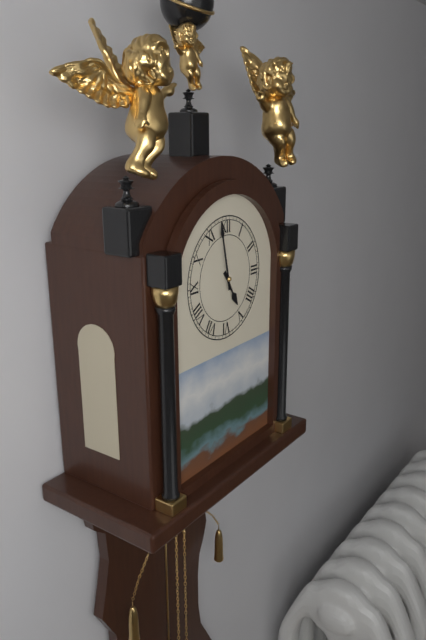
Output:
**4:58**
